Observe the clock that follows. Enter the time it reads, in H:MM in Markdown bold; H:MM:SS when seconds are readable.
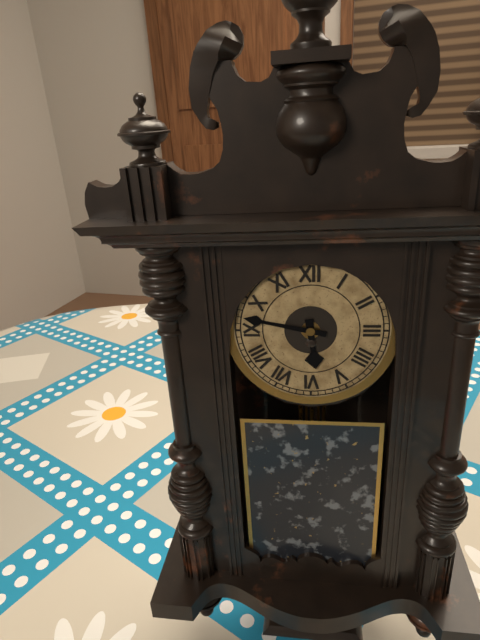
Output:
**5:47**
